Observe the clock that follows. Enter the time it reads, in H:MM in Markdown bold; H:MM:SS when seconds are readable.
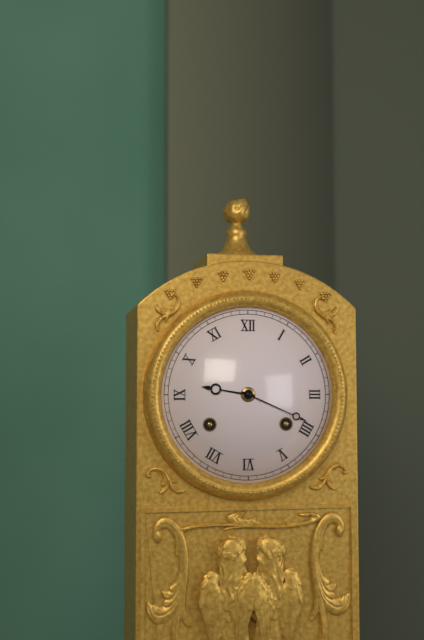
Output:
**9:19**
